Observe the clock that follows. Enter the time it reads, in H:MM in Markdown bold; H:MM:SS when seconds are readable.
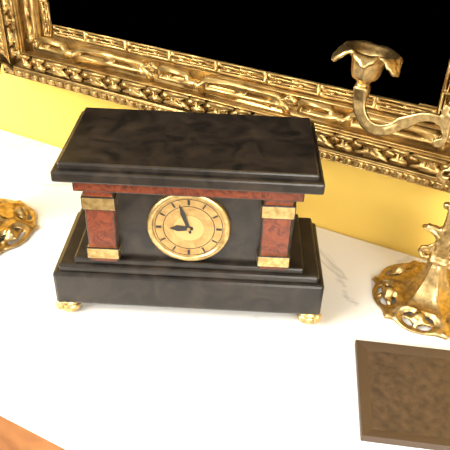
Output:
**8:57**
